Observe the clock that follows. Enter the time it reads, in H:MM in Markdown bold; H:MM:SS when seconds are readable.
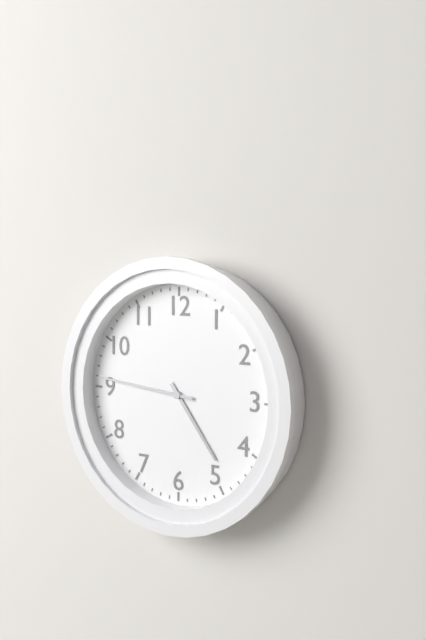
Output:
**4:46**
